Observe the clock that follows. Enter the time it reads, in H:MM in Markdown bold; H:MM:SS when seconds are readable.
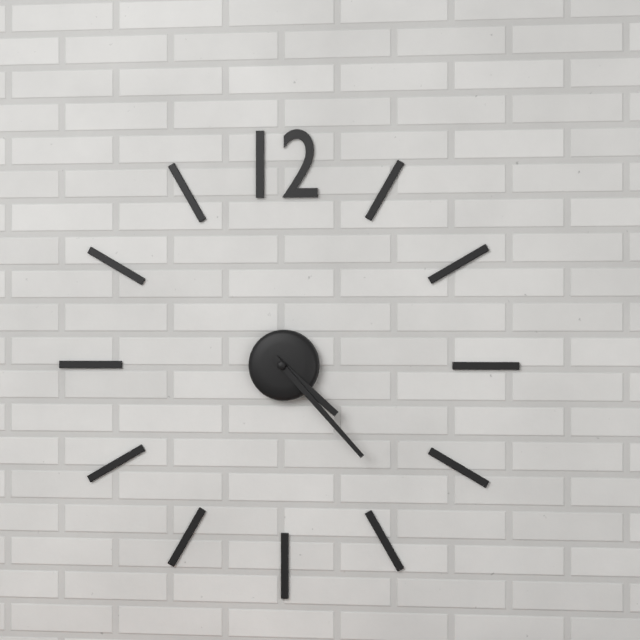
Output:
**4:23**
